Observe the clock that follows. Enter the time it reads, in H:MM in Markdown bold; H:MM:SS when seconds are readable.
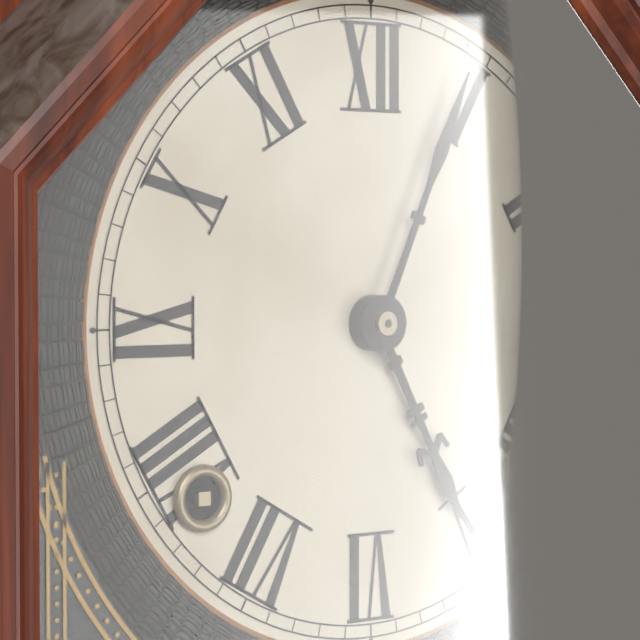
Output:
**5:04**
